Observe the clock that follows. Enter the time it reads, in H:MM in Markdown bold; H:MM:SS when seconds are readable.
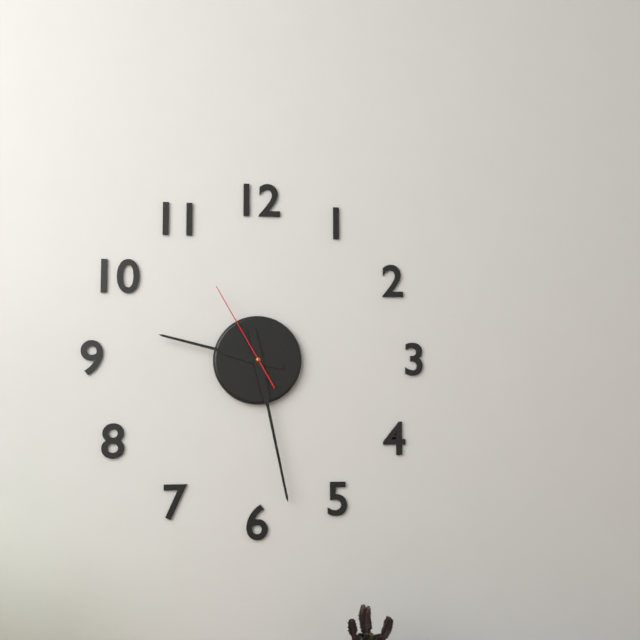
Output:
**9:28:55**
